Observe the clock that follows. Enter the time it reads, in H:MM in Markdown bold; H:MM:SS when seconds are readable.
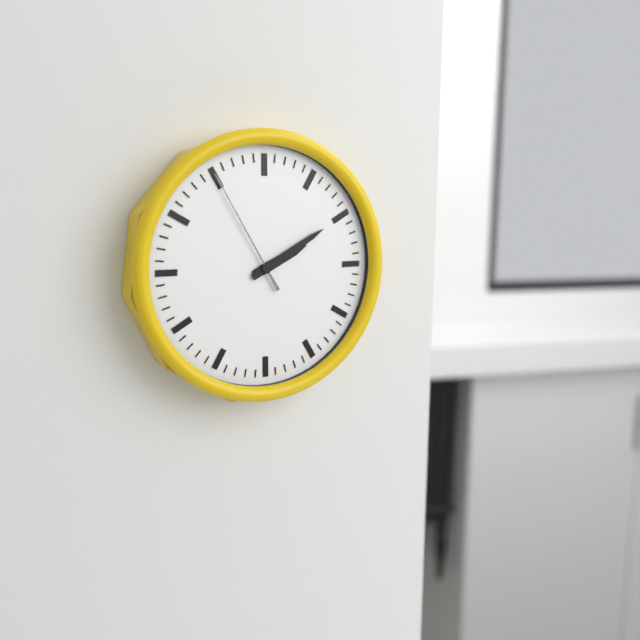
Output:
**2:10:55**
